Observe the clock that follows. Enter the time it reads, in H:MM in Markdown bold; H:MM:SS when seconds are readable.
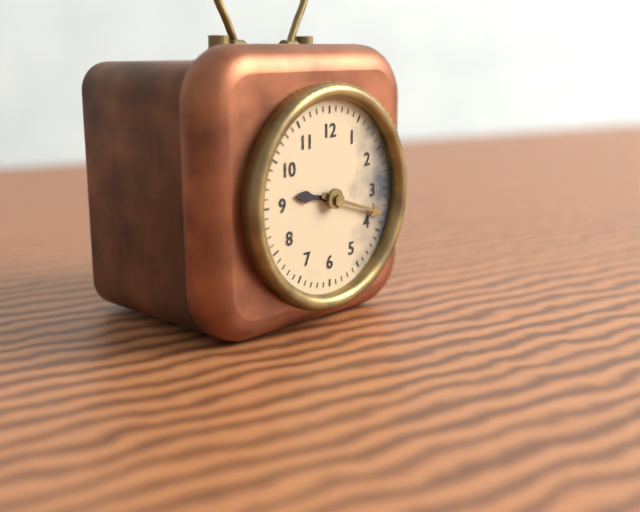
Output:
**9:18**
